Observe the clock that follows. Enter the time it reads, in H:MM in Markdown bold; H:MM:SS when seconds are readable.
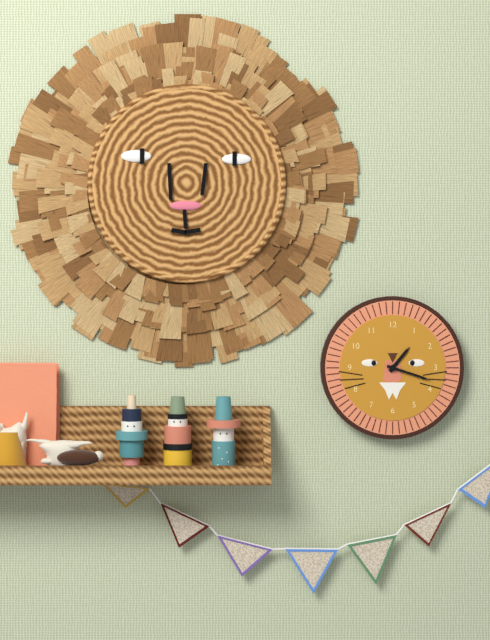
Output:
**1:18**
